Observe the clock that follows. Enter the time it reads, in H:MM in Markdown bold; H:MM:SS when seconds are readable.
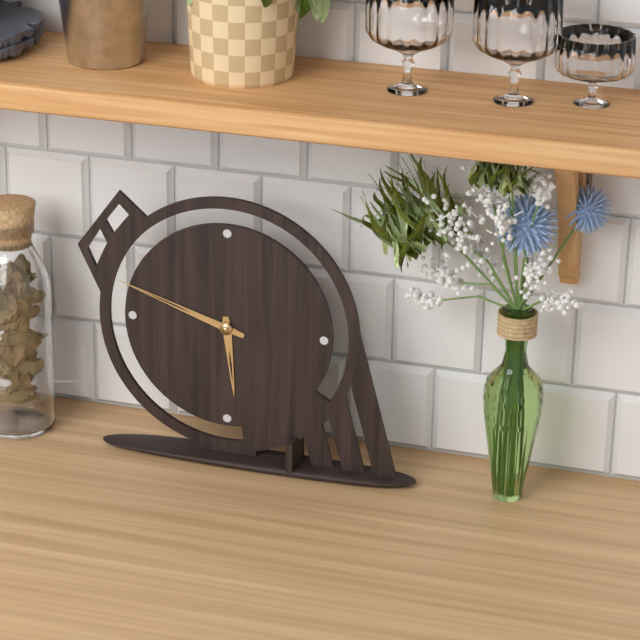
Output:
**5:48**
